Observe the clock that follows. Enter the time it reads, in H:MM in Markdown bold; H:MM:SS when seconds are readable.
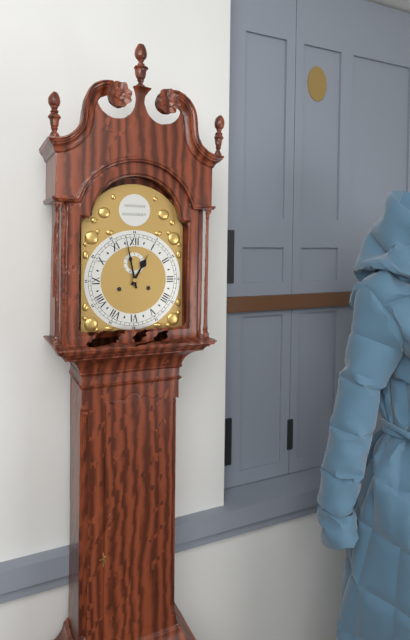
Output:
**12:58**
